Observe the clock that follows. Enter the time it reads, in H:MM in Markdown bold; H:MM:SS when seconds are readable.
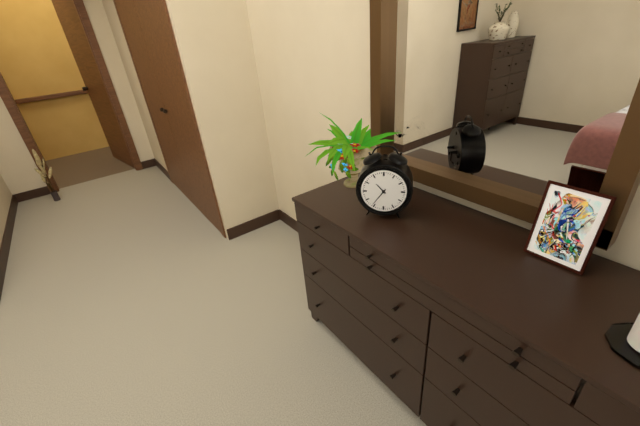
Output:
**10:36**
